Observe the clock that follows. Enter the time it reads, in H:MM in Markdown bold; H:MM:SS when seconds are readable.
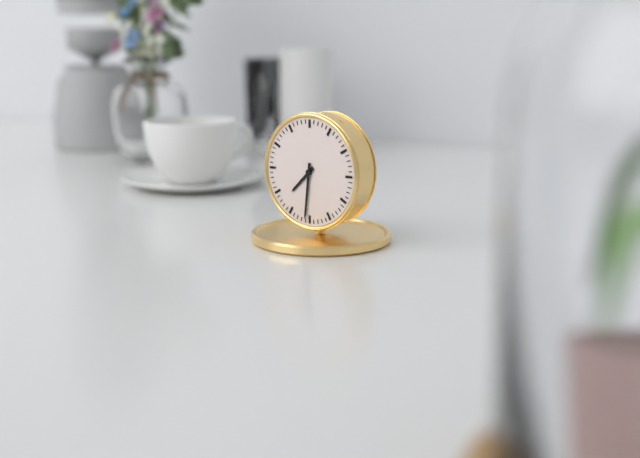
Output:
**7:31**
